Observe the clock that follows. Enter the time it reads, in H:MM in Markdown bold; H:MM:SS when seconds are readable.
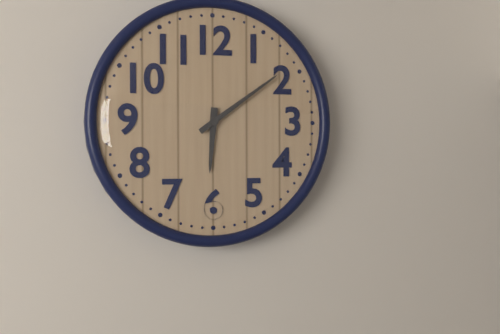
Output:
**6:09**
